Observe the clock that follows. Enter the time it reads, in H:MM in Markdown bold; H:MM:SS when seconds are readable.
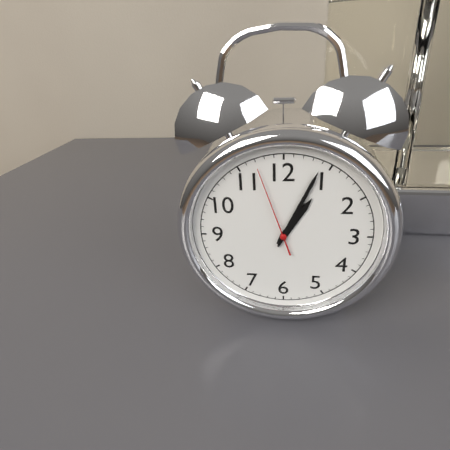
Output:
**1:04:57**
